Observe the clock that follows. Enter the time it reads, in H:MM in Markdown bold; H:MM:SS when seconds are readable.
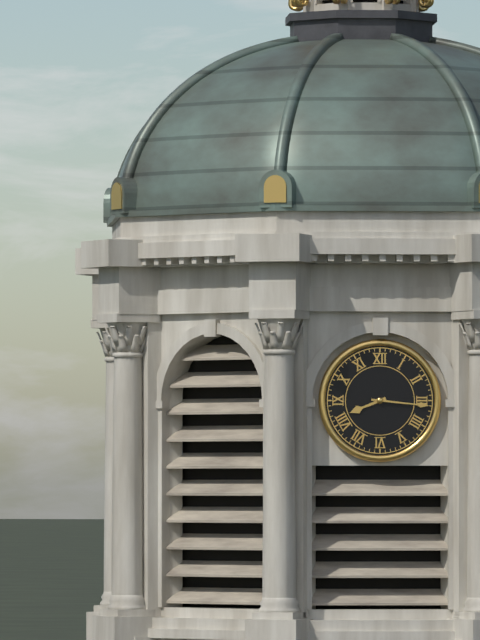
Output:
**8:16**
